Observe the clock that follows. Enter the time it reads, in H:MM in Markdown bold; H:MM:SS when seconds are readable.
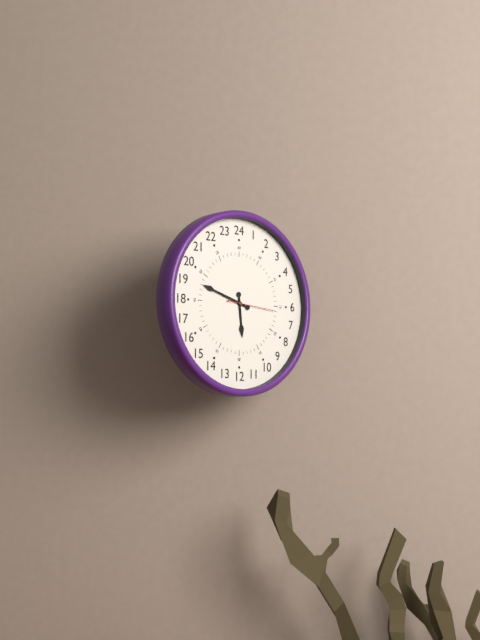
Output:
**5:48:16**
